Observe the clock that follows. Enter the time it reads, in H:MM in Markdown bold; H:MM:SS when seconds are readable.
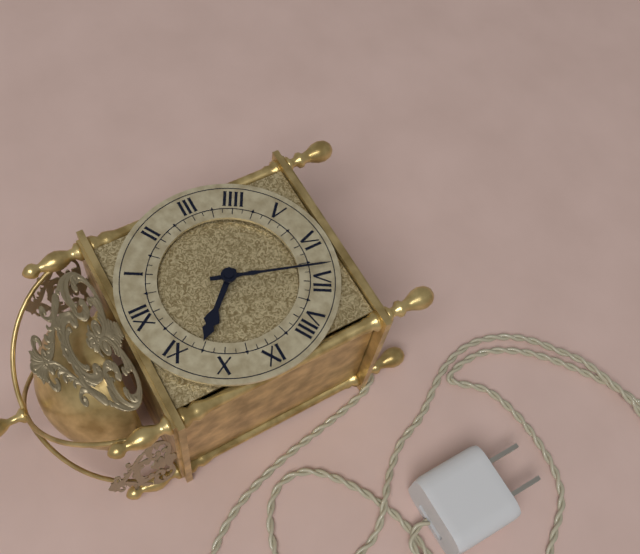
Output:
**10:33**
